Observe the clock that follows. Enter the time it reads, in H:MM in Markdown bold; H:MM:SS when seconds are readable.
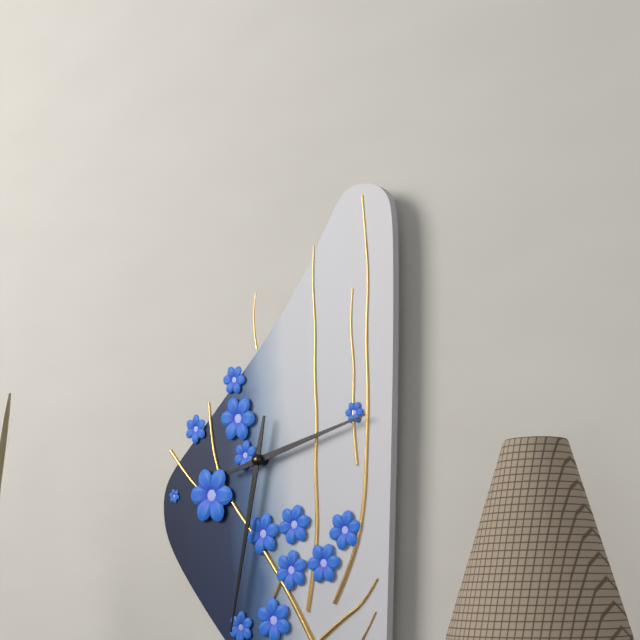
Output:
**2:32**
